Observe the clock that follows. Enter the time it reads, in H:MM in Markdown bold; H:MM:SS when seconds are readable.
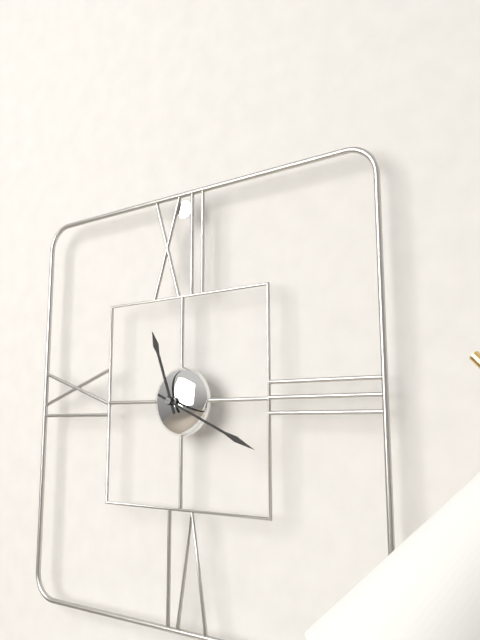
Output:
**11:19**
